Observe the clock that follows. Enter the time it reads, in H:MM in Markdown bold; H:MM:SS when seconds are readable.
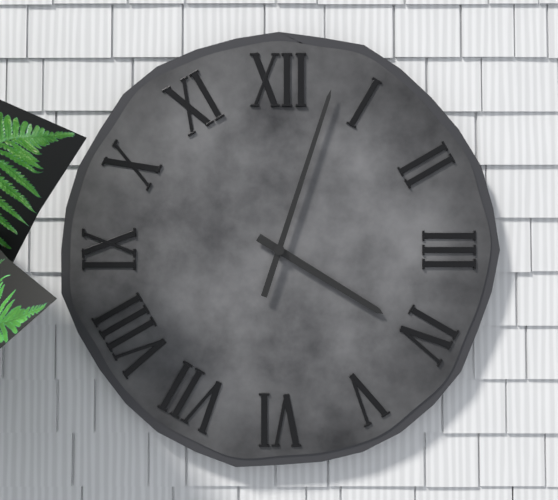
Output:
**4:03**
